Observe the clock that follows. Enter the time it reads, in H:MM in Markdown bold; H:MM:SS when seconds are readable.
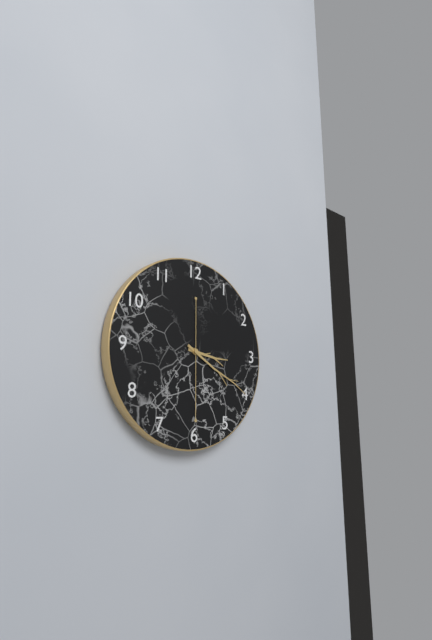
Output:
**3:20:30**
